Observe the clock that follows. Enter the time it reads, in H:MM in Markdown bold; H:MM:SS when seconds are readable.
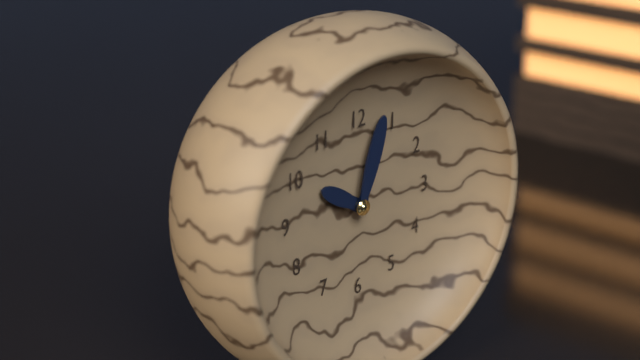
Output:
**10:03**
